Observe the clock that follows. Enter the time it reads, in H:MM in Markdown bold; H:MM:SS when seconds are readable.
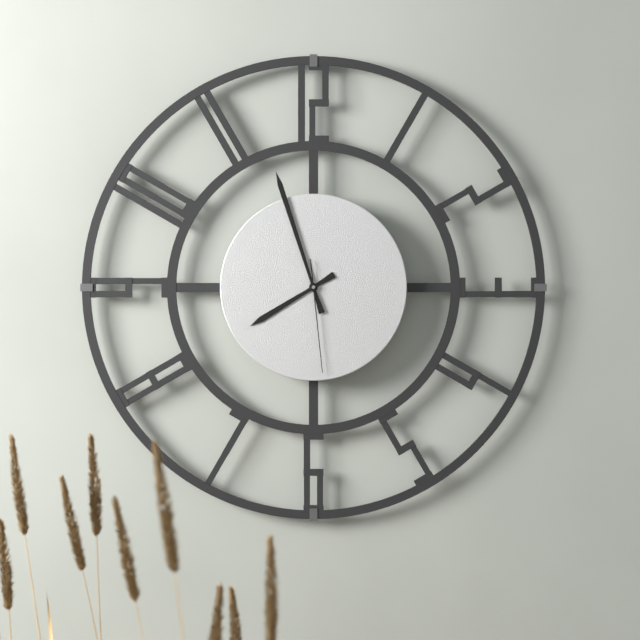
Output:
**7:57:29**
